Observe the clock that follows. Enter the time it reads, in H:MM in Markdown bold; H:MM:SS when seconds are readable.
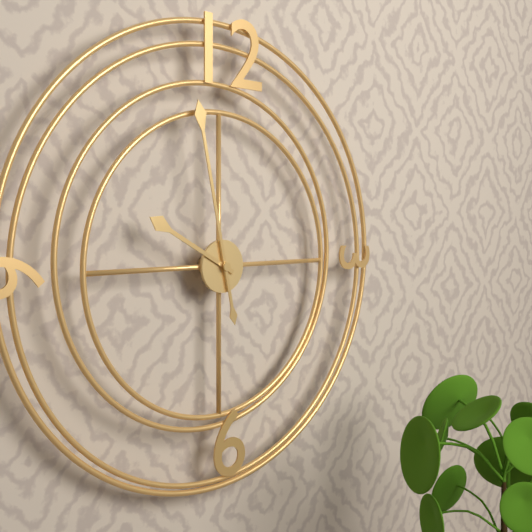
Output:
**9:58**
